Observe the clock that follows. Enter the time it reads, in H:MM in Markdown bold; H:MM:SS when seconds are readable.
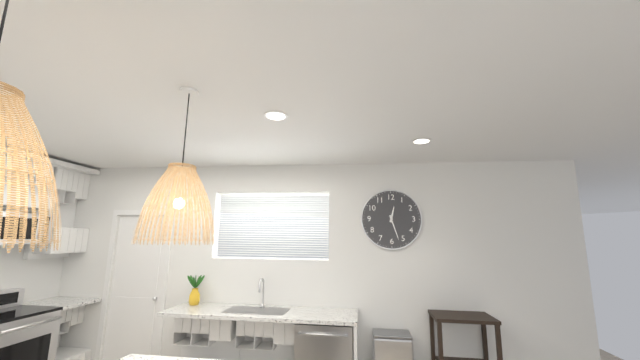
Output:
**12:27**
